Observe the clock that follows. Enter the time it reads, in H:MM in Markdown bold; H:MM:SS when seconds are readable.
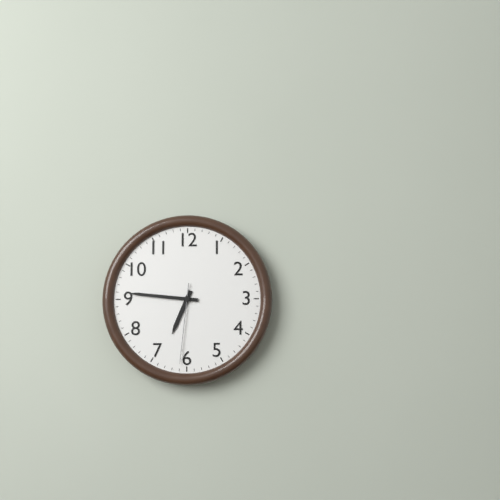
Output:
**6:46:31**
